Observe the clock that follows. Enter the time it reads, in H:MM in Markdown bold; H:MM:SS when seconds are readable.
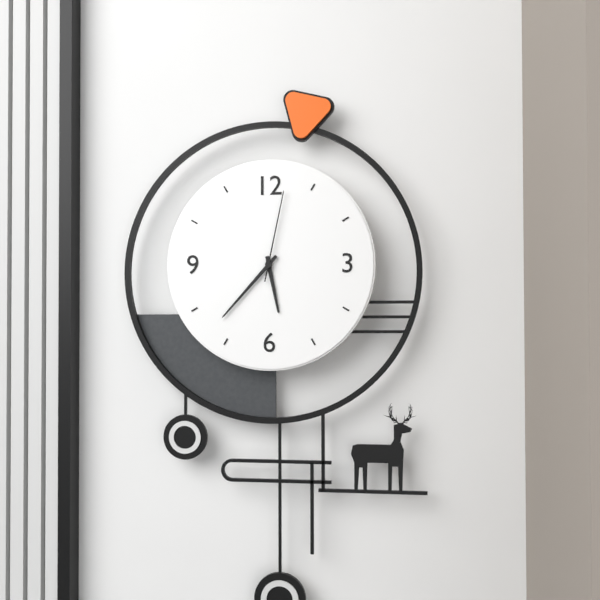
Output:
**5:37:02**
